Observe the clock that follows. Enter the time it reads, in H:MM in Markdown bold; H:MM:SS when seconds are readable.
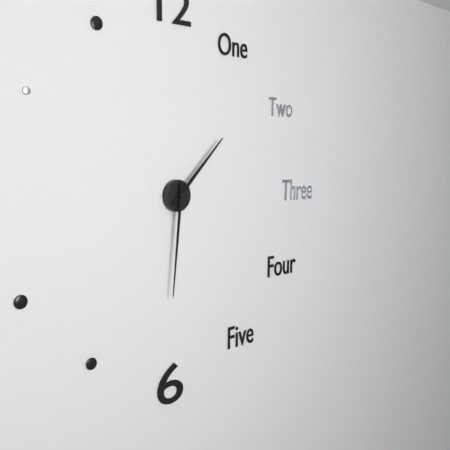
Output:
**1:31**
